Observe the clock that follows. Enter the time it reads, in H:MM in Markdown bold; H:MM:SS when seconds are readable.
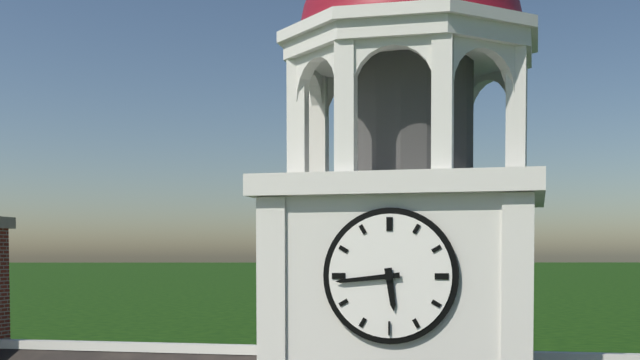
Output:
**5:44**
